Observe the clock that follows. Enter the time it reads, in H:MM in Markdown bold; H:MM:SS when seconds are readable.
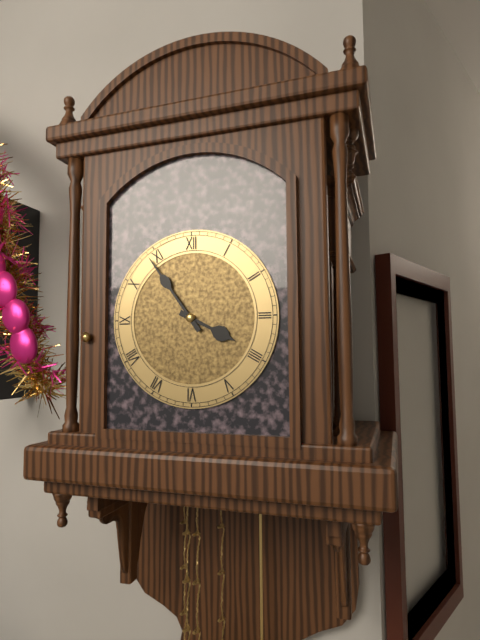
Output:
**3:54**
